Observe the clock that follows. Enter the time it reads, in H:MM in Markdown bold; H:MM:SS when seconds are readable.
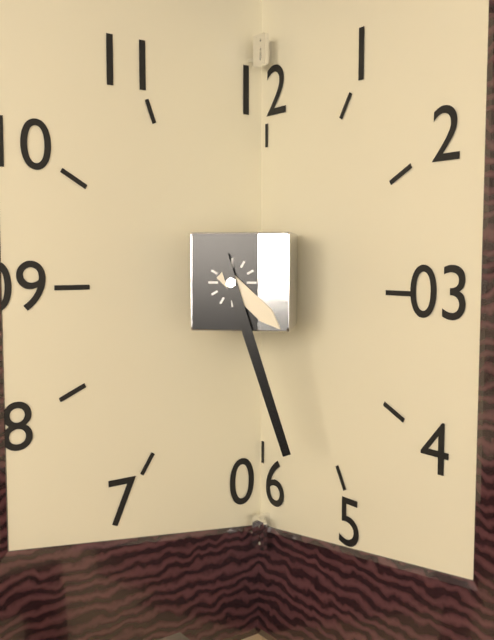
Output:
**4:27**
